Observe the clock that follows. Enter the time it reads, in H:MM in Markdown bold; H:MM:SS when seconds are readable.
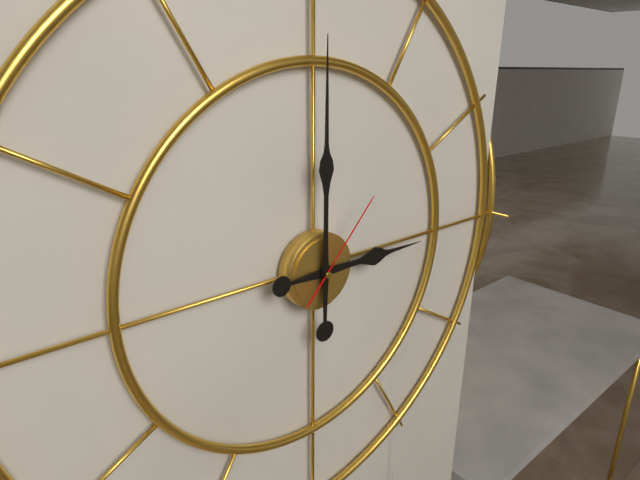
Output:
**3:00:07**
